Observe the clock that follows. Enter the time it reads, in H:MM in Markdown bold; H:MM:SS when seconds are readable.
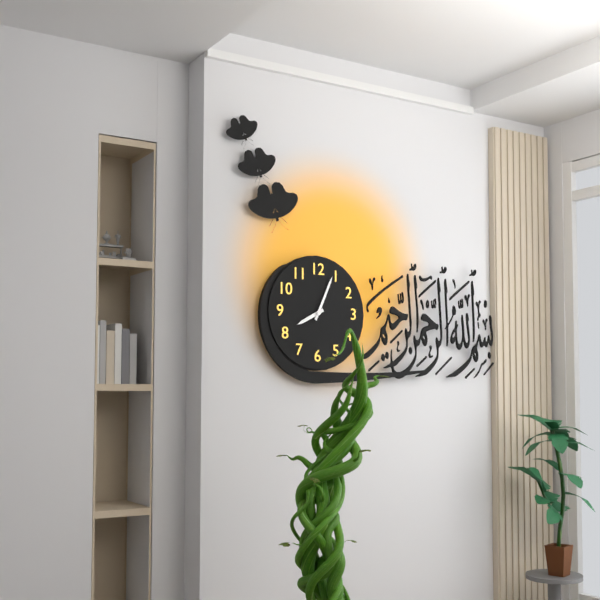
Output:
**8:04**
